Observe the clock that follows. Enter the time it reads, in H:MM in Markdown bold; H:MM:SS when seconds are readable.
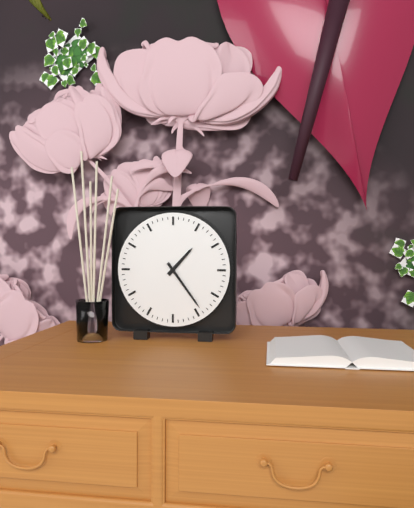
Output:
**1:24**
